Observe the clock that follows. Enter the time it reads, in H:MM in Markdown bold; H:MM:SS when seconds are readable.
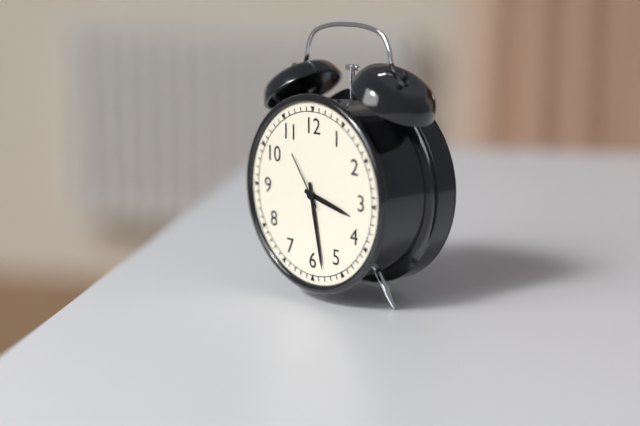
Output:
**3:28:54**
